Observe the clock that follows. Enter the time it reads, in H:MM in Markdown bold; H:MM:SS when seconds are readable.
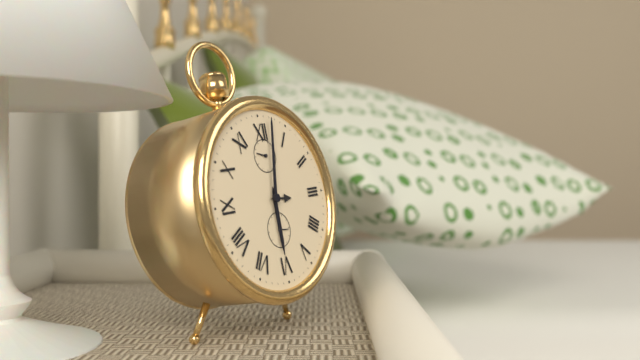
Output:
**6:02**
